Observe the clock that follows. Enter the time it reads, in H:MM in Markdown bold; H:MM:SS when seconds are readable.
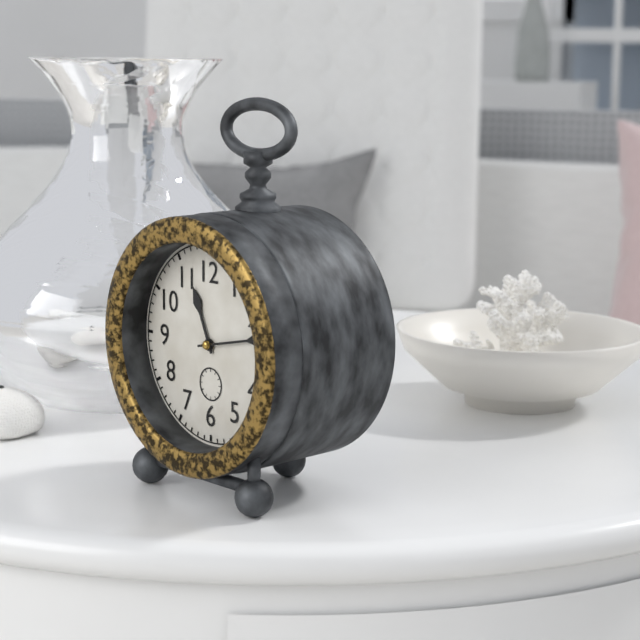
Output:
**11:13**
